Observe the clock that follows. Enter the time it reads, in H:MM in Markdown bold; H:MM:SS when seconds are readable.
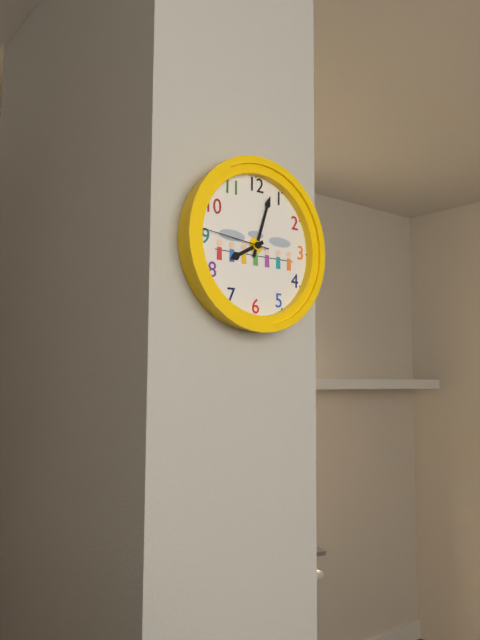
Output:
**8:03:46**
